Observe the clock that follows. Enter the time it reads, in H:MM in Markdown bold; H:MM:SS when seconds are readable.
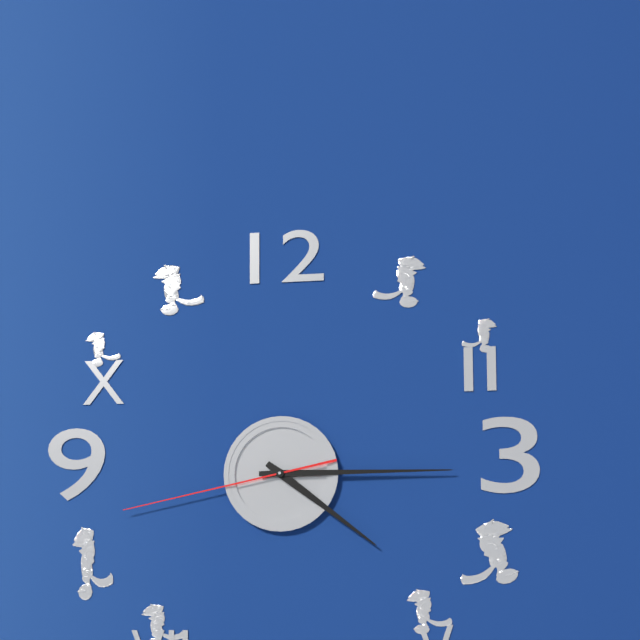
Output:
**4:15:43**
